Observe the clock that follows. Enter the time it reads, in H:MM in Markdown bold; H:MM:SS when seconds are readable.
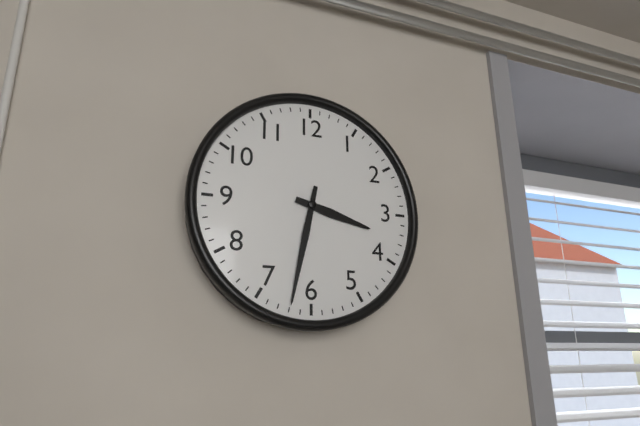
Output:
**3:32**
